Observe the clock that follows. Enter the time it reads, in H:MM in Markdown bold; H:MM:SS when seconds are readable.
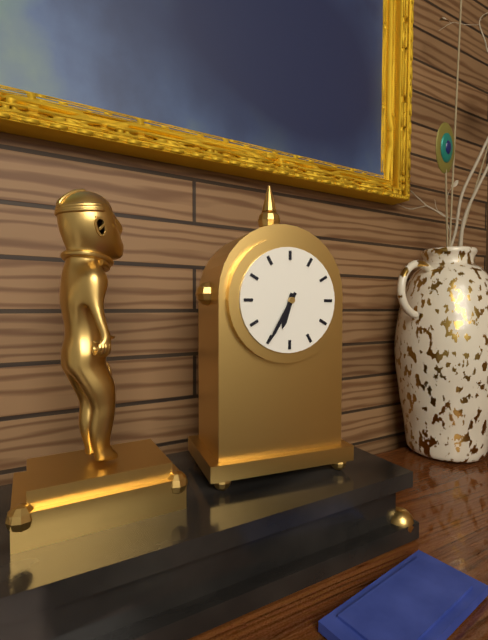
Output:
**6:35**
